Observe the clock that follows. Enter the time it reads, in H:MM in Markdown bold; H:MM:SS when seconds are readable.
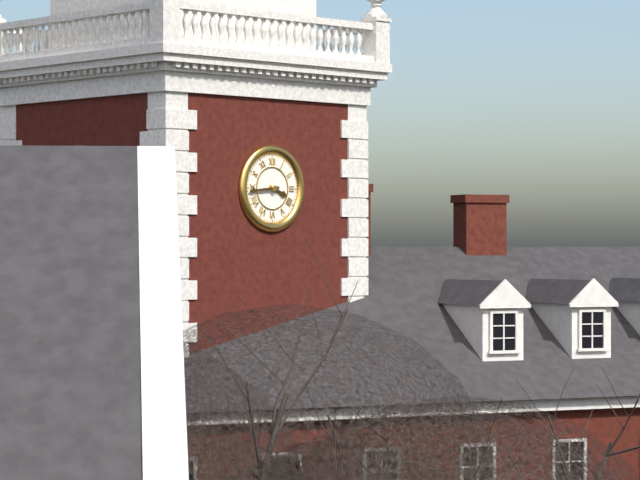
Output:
**3:44**
